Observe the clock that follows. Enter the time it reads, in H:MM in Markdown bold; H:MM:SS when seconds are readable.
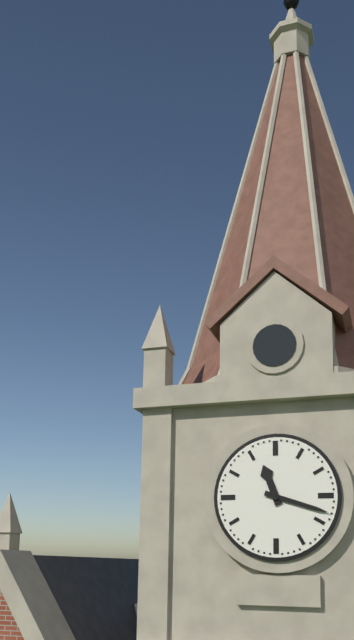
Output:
**11:18**
